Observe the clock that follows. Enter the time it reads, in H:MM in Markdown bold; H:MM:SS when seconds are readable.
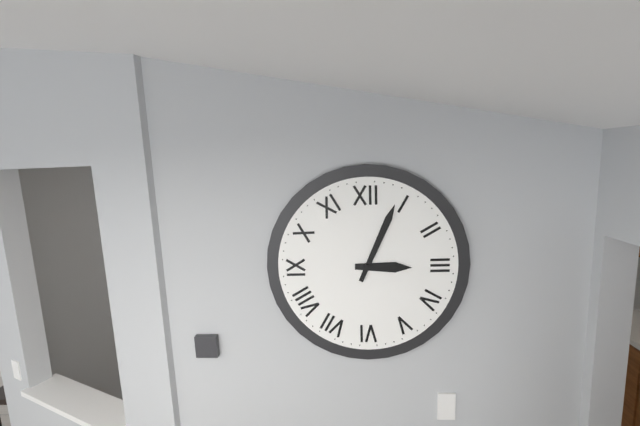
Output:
**3:04**
